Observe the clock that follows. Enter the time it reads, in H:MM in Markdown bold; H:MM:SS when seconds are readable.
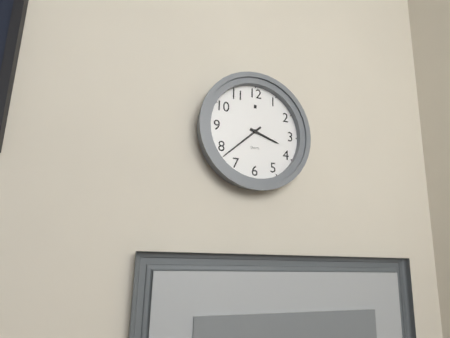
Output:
**3:38**
